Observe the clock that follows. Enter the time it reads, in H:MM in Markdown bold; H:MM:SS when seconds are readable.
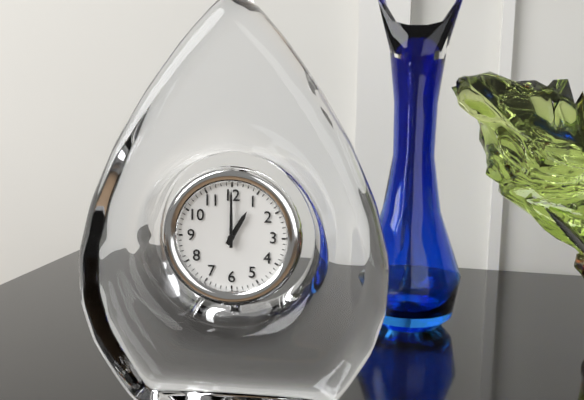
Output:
**1:00**
